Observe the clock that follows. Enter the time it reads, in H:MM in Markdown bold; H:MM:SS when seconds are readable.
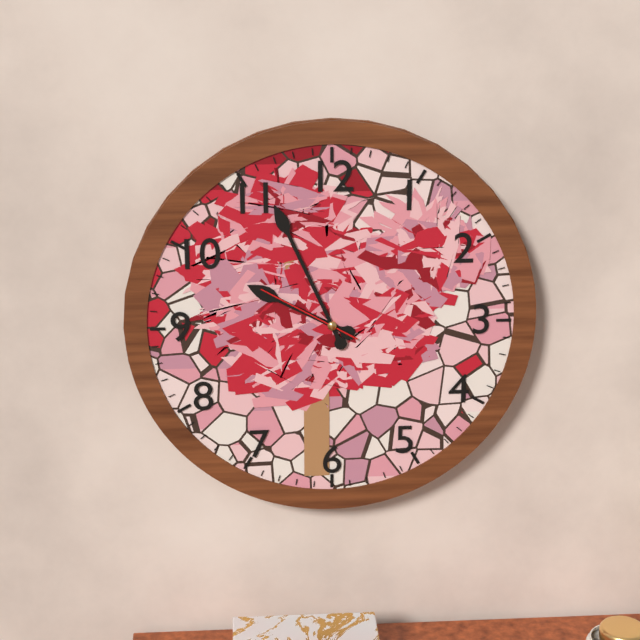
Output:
**9:56:50**
